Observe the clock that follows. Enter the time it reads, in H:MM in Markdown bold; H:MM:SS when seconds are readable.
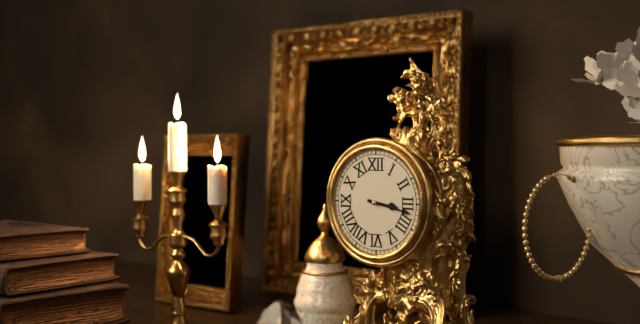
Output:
**3:17**
